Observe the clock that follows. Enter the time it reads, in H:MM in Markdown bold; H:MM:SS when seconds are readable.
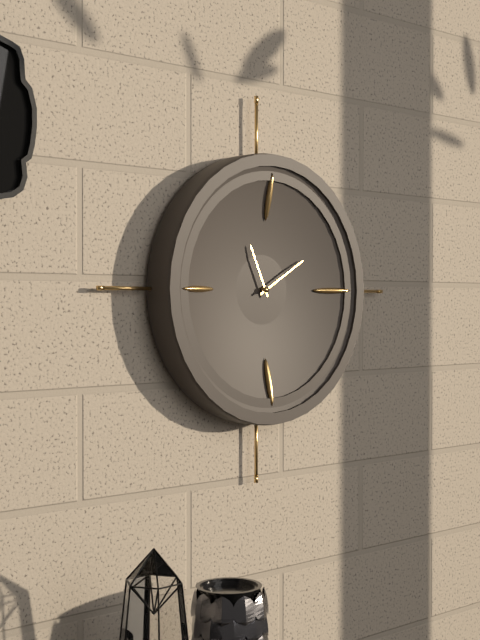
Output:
**11:10**
